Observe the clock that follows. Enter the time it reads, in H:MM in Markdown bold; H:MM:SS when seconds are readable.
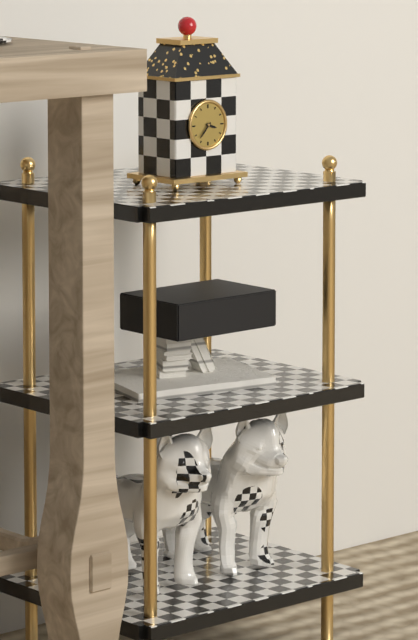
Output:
**3:37**
